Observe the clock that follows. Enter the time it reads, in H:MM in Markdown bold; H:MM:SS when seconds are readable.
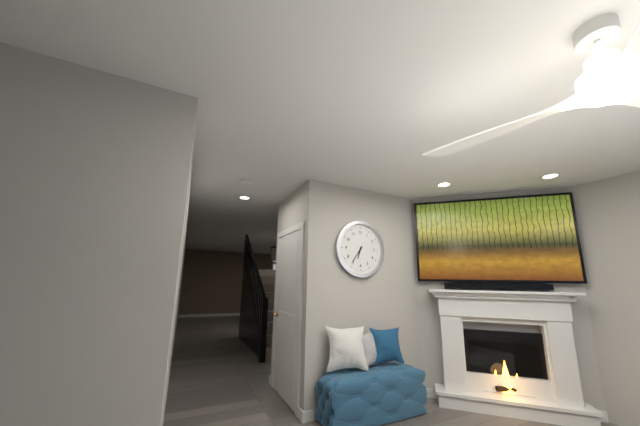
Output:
**6:36**
